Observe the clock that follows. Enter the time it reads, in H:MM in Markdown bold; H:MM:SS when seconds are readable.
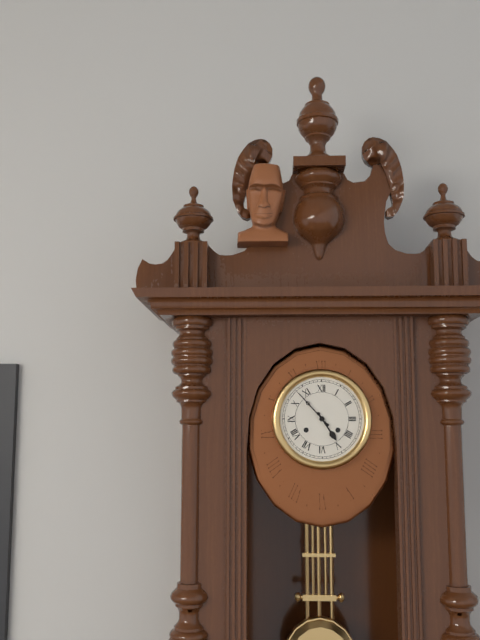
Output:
**4:53**
